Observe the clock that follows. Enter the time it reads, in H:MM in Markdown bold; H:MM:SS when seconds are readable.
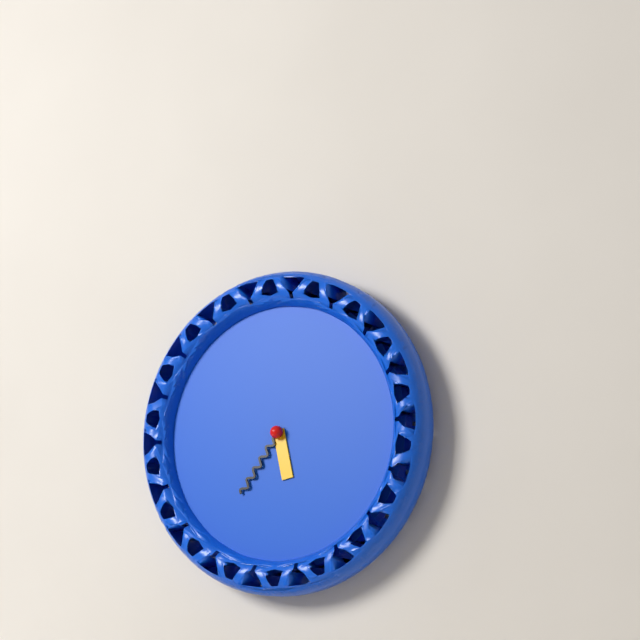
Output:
**5:36**
